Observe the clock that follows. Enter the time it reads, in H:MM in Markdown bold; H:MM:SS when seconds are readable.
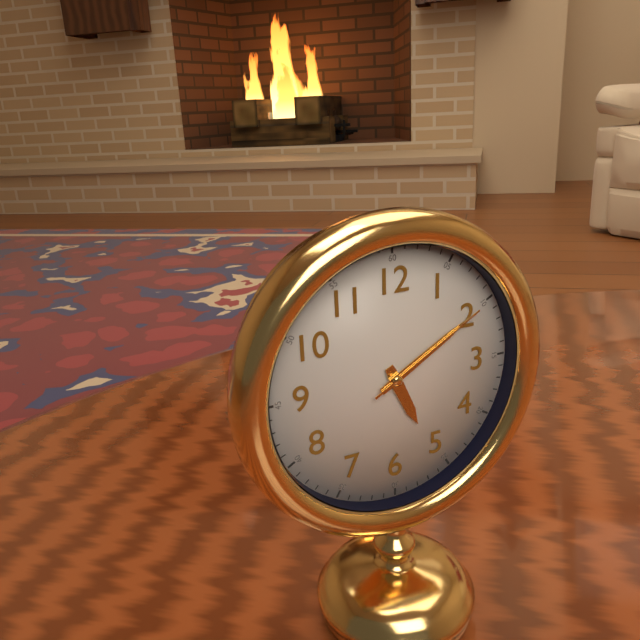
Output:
**5:10:10**
